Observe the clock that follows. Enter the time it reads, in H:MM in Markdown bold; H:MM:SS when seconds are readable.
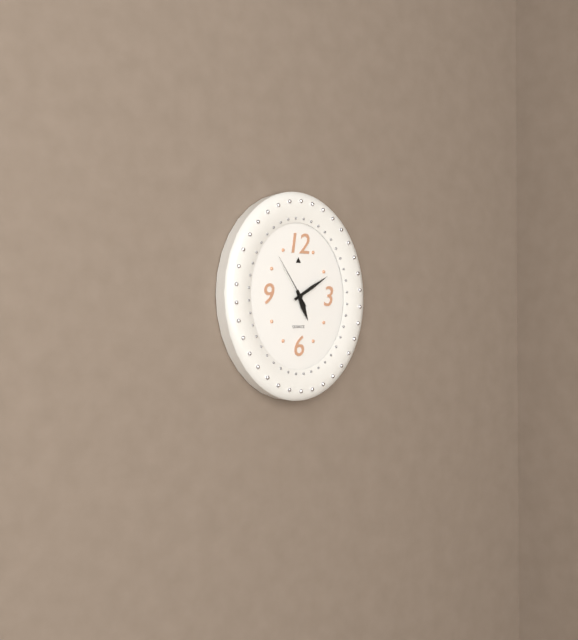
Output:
**5:10:54**
